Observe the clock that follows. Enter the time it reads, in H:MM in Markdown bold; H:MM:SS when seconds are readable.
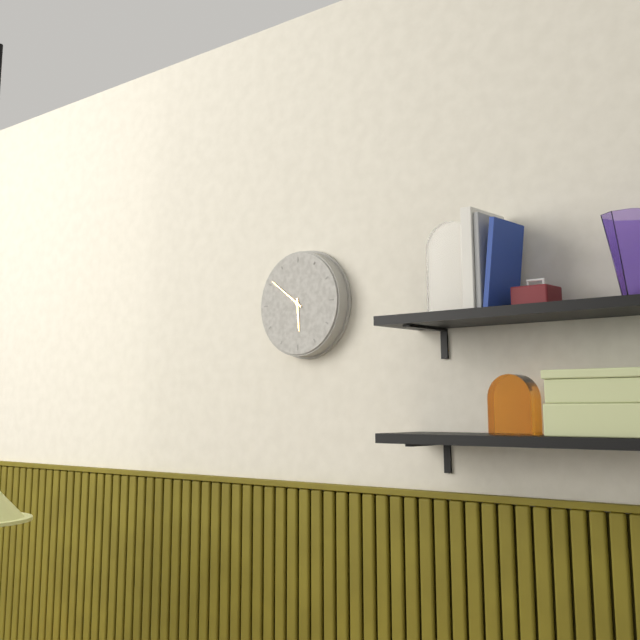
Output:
**5:51**
